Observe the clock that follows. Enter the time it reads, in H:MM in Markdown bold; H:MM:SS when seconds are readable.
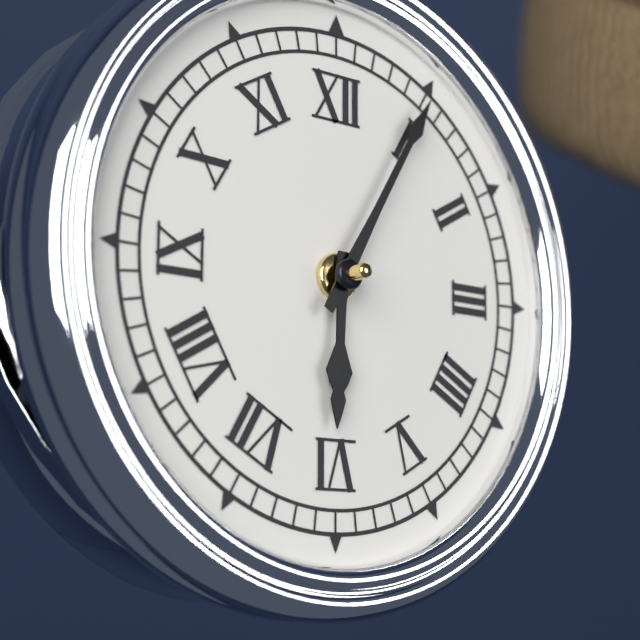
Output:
**6:05**
